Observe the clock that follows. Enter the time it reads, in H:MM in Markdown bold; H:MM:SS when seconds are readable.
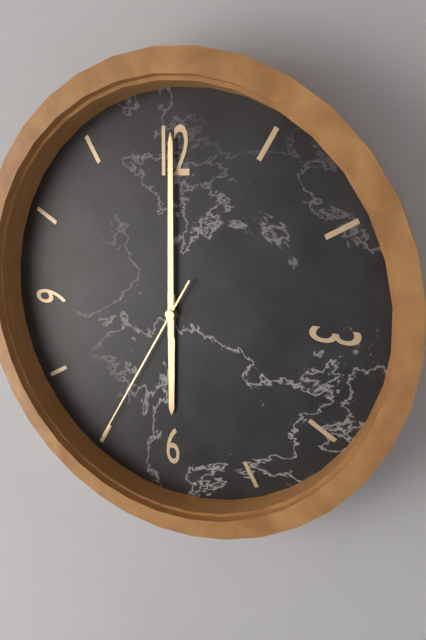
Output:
**6:00:35**
